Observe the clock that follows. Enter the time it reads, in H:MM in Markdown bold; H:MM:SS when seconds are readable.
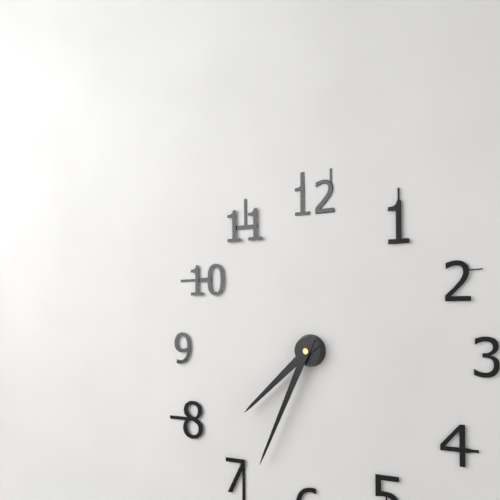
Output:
**7:34**
